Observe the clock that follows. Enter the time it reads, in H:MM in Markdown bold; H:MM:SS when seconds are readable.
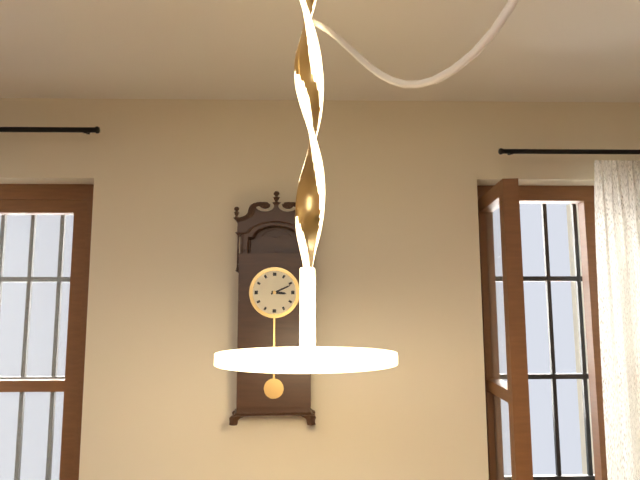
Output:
**3:11**
